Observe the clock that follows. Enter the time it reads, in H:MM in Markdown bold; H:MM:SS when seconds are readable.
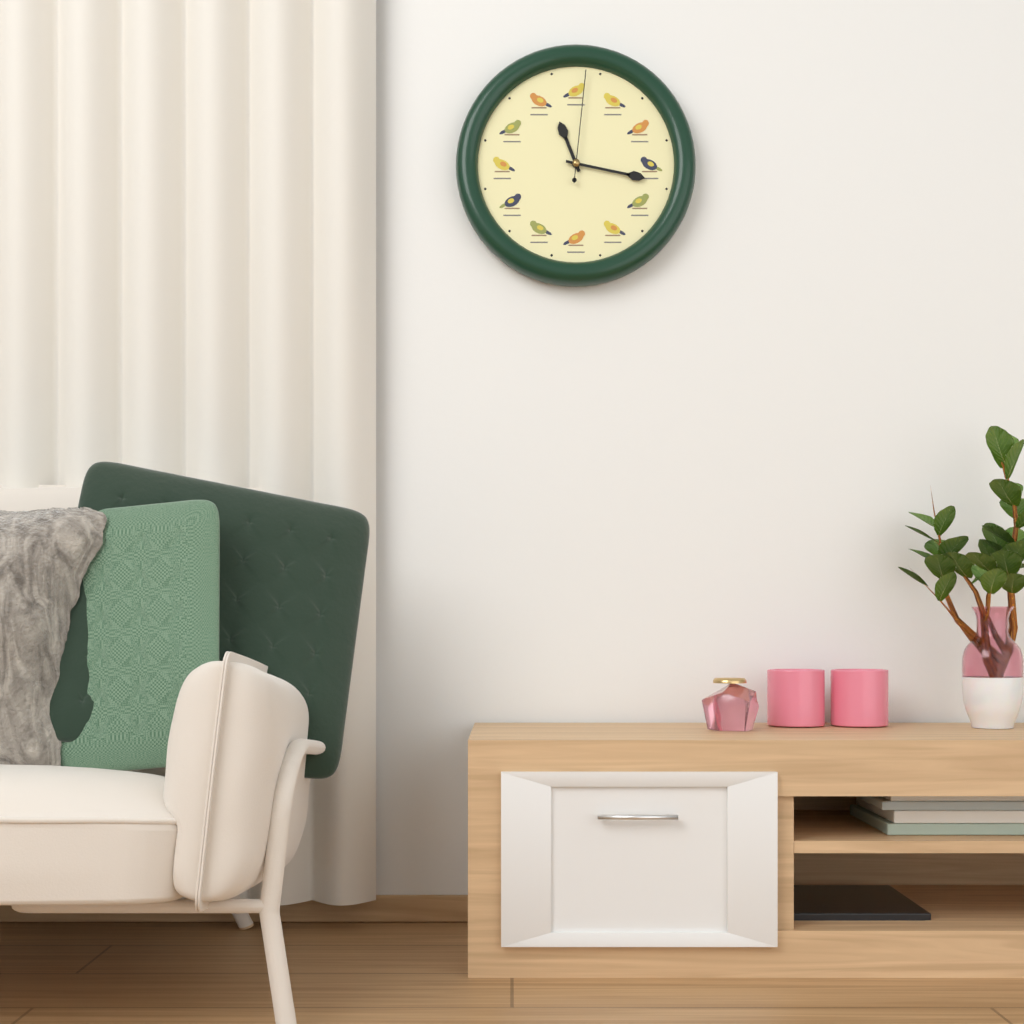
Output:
**11:17:01**
